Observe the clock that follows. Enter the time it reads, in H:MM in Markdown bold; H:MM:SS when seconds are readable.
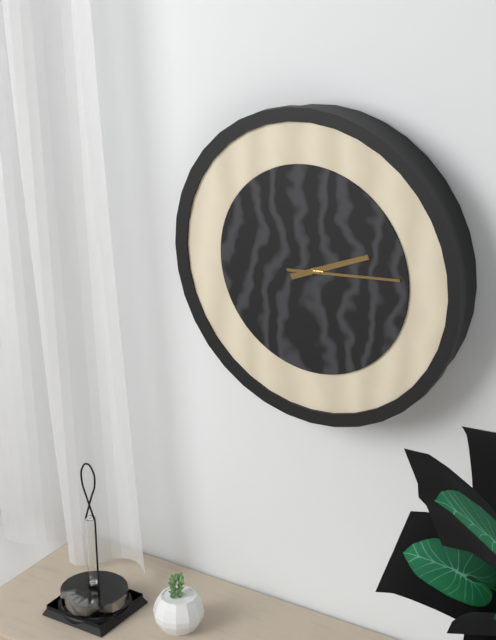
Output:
**2:14**
